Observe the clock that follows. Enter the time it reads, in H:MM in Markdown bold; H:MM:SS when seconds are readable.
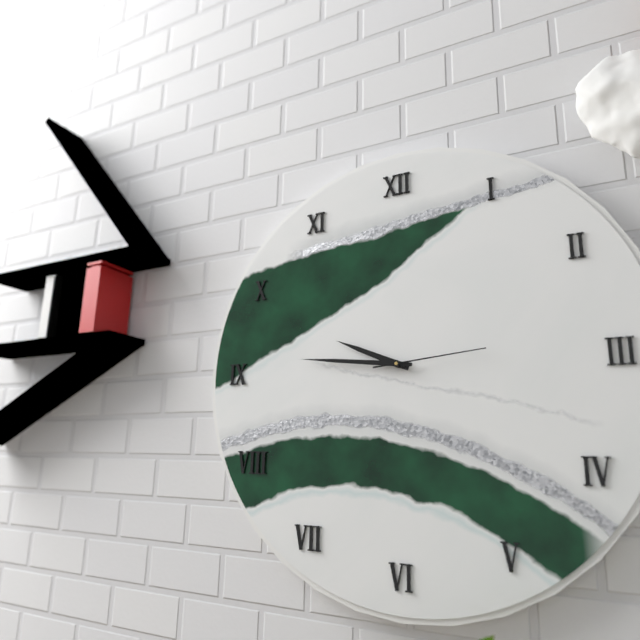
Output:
**9:46:14**
